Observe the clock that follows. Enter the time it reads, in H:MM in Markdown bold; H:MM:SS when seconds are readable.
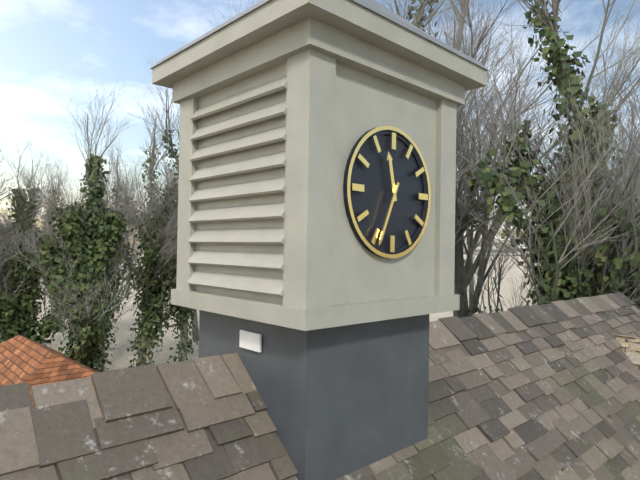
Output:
**11:34**
